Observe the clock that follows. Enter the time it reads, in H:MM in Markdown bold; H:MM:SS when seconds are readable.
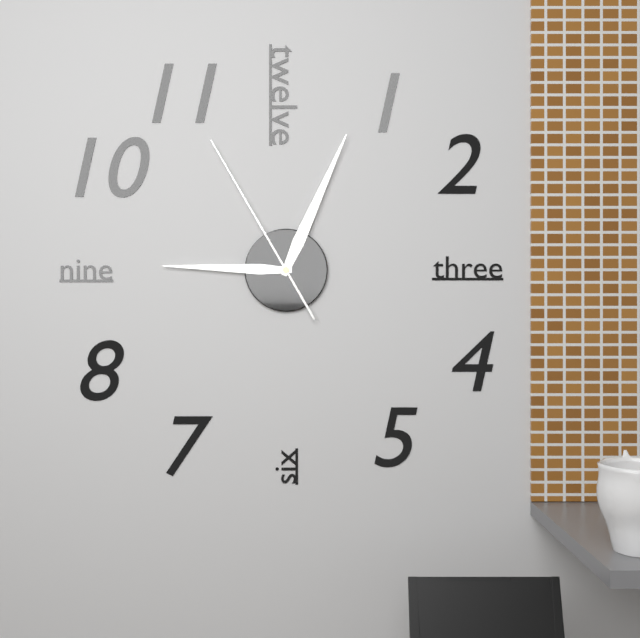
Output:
**9:04:55**
